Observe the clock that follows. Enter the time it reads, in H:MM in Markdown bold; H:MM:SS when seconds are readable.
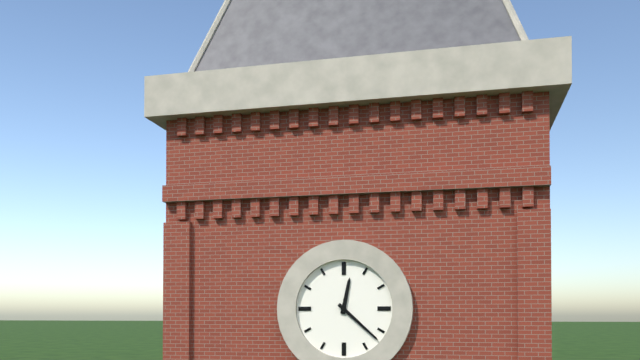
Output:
**12:22**
